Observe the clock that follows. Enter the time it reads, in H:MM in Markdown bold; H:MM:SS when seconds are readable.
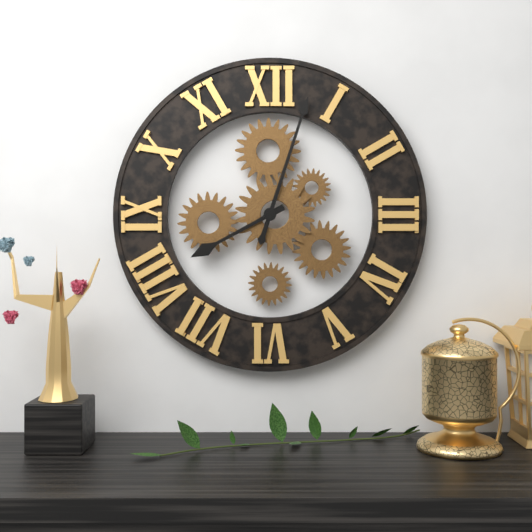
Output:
**8:03**
